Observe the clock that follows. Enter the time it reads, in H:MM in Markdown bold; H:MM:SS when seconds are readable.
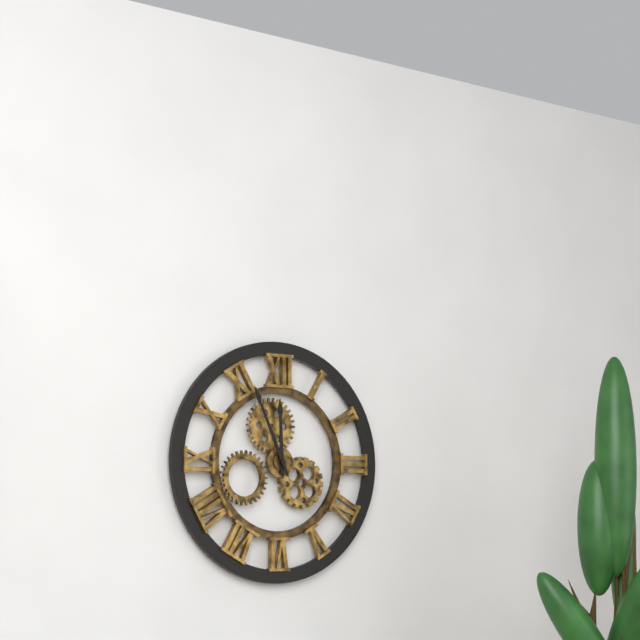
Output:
**11:56**
